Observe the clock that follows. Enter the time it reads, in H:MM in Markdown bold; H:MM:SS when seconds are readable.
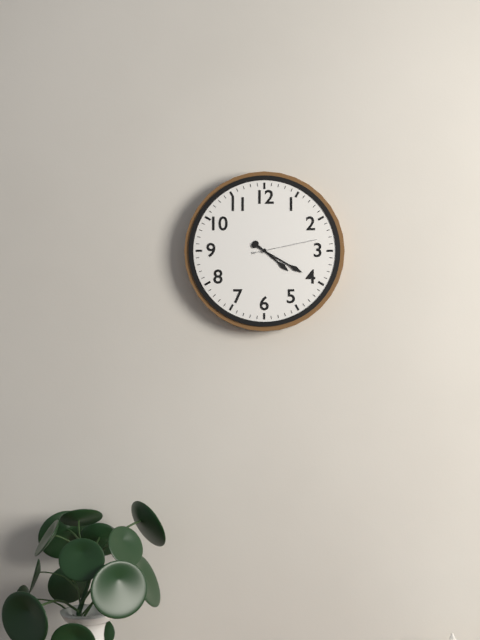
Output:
**4:20:13**
